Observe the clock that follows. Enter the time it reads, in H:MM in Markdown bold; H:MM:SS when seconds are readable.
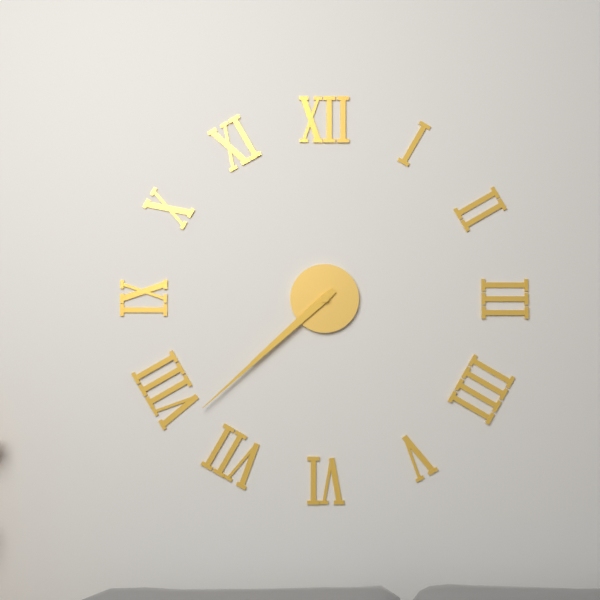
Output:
**7:38**
